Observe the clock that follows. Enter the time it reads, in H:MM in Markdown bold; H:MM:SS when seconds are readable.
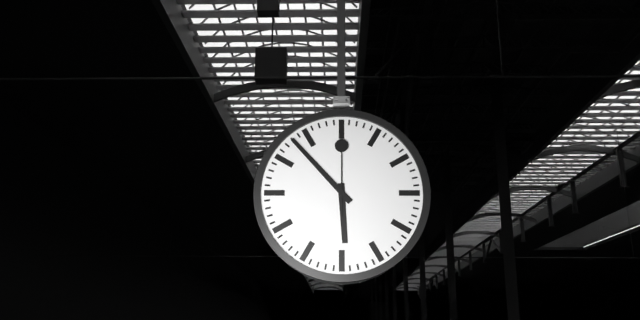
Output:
**5:53:00**
